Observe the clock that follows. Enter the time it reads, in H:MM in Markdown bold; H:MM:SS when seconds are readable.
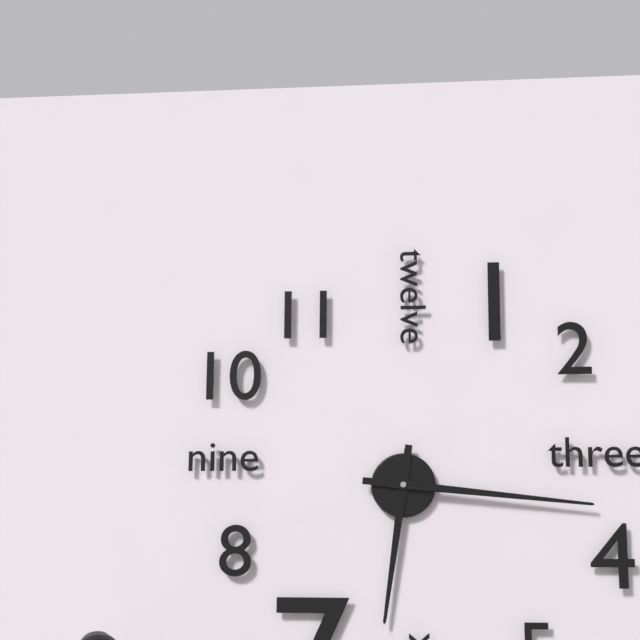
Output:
**6:16**
